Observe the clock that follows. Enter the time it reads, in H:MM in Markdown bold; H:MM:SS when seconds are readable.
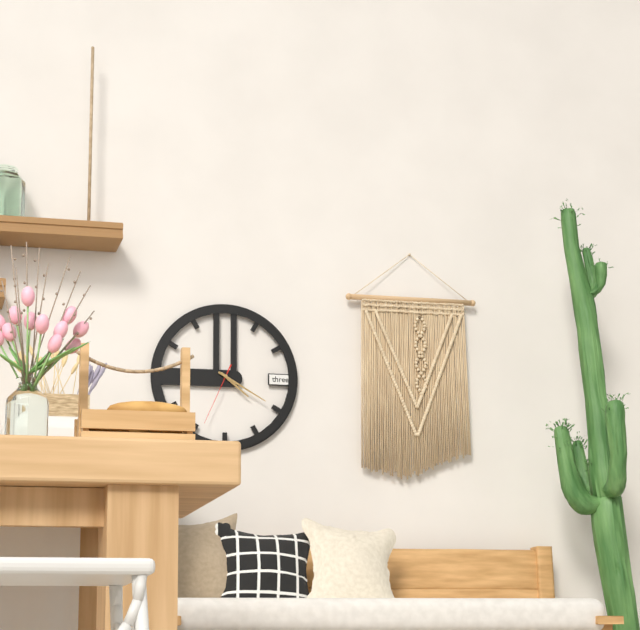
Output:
**4:20:34**
